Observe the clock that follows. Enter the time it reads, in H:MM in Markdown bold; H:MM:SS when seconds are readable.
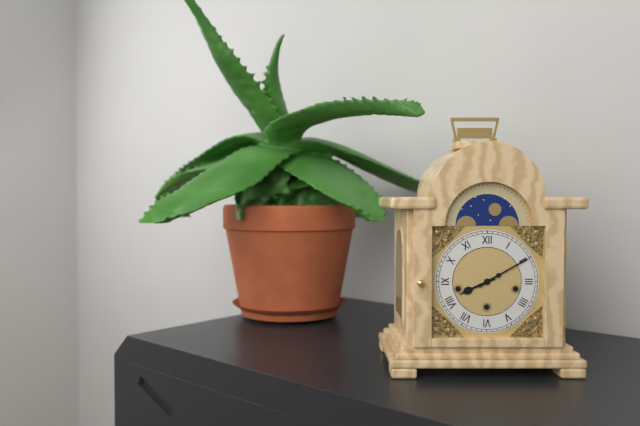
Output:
**8:10**
